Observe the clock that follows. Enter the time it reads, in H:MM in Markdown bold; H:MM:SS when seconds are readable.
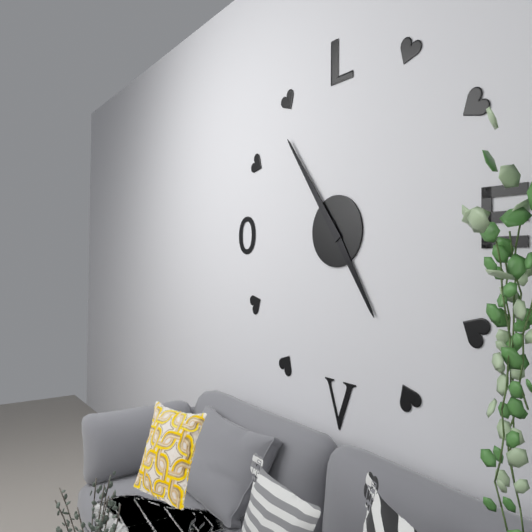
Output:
**4:54**
